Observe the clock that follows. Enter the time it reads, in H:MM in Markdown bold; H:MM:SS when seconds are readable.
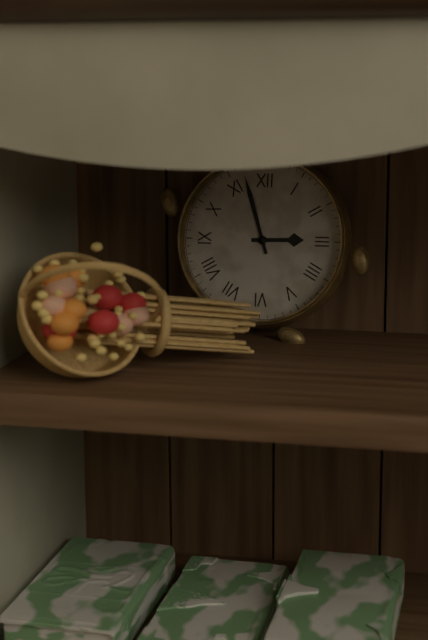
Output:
**2:57**
